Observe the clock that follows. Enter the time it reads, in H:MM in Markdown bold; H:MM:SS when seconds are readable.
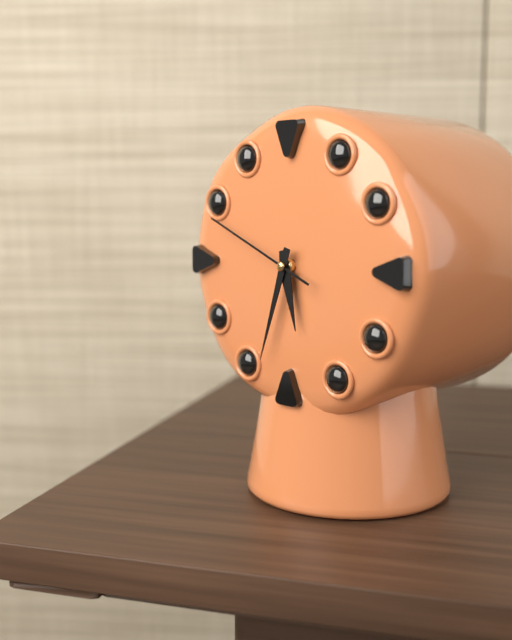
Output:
**5:33:49**
